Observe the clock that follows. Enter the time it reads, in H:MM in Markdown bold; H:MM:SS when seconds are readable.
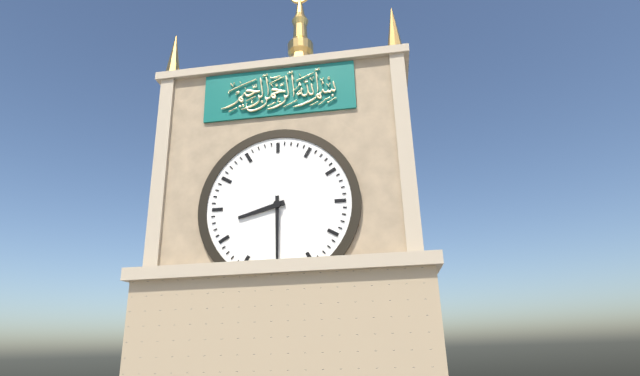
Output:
**8:30**
